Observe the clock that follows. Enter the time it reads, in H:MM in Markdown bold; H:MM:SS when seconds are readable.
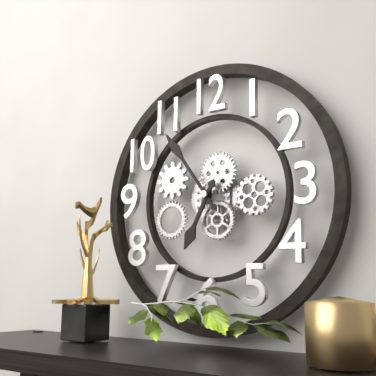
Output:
**6:54**
